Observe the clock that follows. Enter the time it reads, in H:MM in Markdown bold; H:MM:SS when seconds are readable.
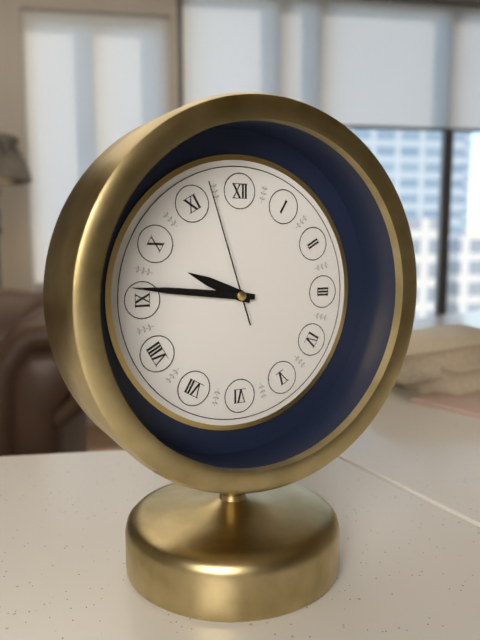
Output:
**9:46:57**
